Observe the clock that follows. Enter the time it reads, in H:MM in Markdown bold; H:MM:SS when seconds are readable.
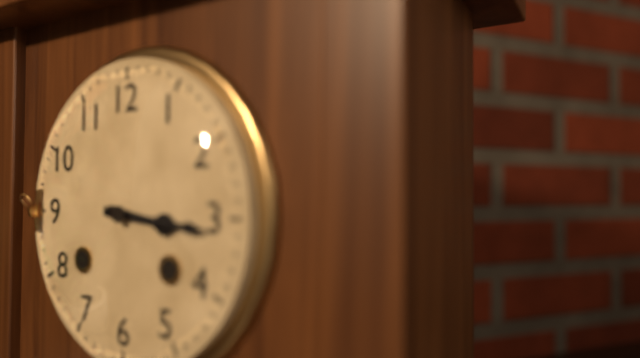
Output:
**3:16**
